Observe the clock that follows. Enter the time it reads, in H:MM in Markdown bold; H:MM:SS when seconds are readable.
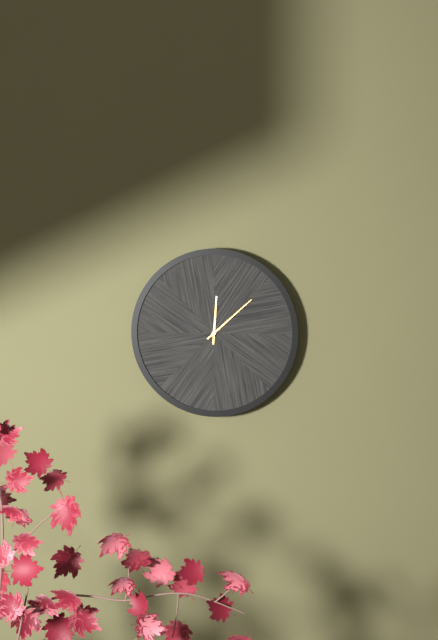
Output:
**12:08**
